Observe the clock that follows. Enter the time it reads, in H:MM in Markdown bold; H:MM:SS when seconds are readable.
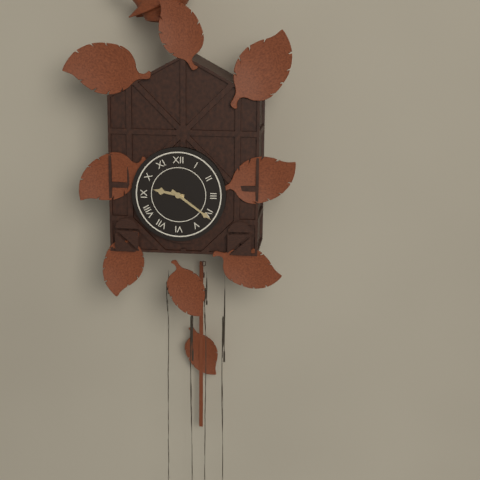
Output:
**9:21**
